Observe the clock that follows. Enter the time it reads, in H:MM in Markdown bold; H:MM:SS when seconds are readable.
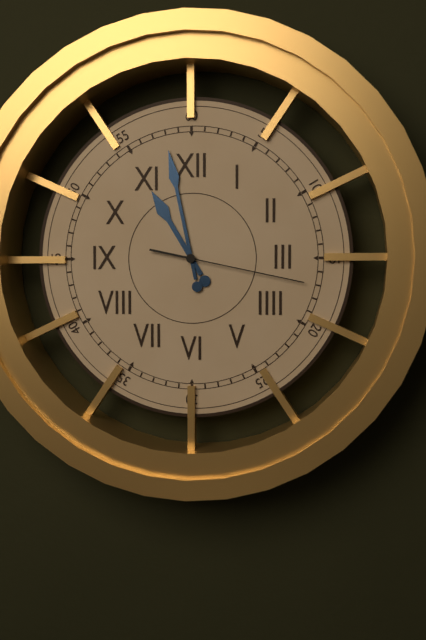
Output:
**10:58:17**
